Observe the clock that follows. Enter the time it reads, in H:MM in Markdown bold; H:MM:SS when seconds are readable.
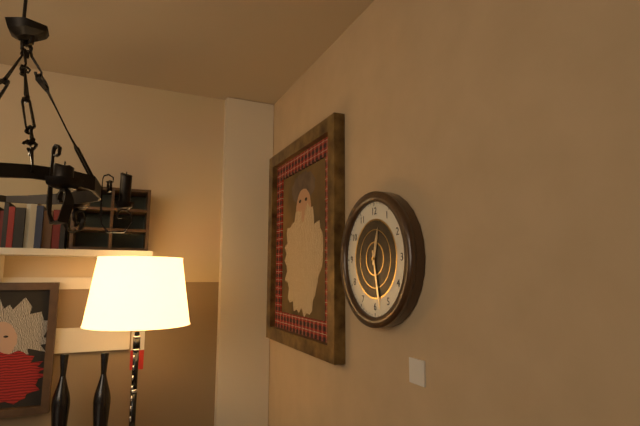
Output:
**12:28**
